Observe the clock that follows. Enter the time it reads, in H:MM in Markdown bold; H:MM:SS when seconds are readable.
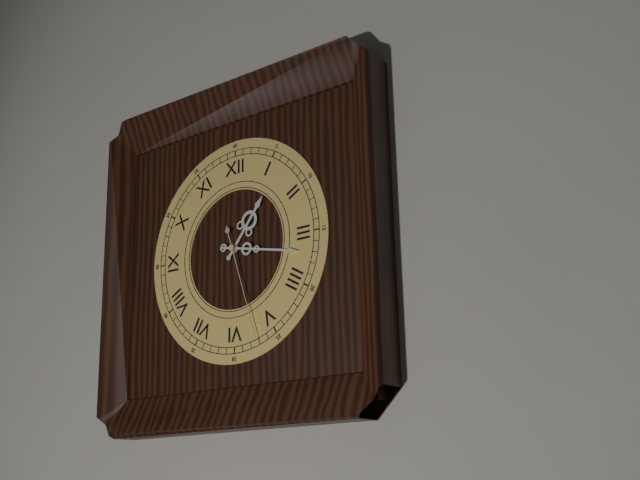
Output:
**1:17:27**
